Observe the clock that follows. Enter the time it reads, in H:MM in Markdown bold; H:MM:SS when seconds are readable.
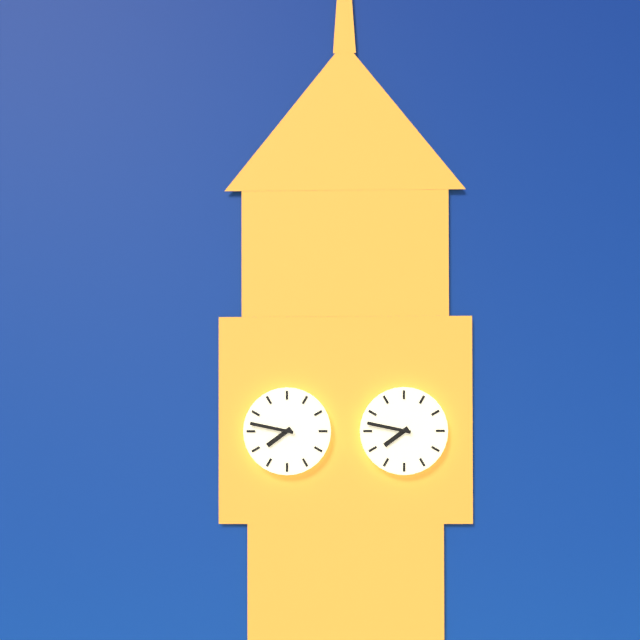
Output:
**7:47**
